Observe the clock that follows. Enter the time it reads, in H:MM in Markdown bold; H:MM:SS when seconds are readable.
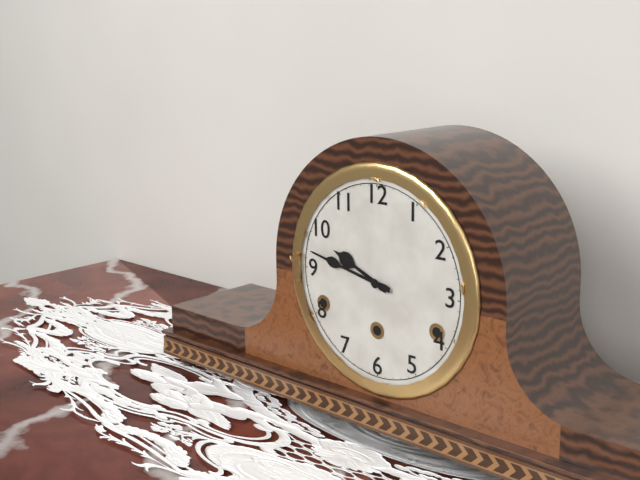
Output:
**9:47**
